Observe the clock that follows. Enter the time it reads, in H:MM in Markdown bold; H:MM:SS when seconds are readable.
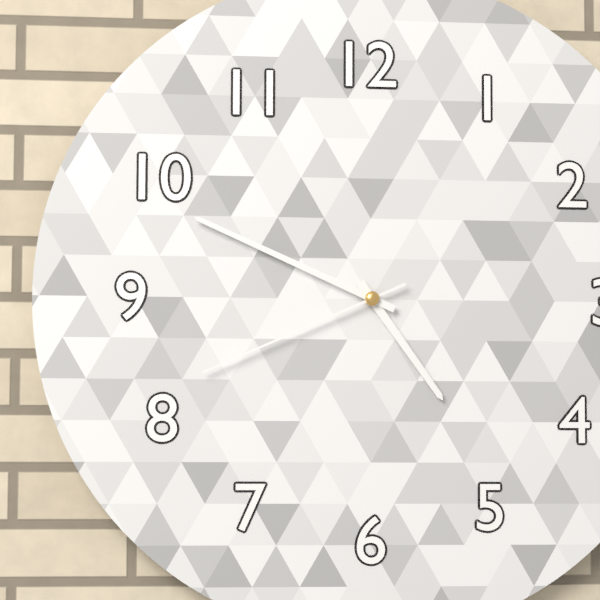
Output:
**4:49:41**
